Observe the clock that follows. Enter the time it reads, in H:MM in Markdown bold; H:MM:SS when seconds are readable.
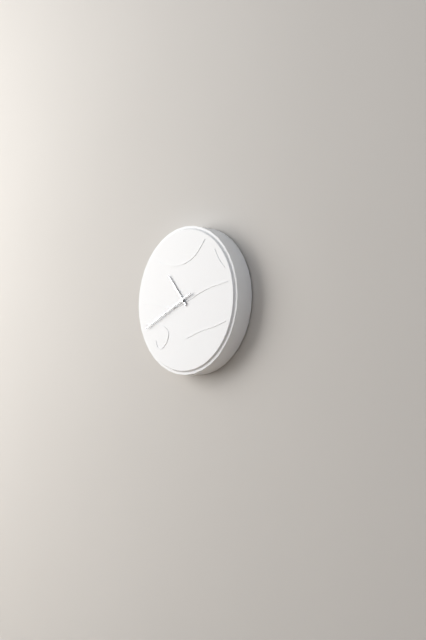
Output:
**10:41**
